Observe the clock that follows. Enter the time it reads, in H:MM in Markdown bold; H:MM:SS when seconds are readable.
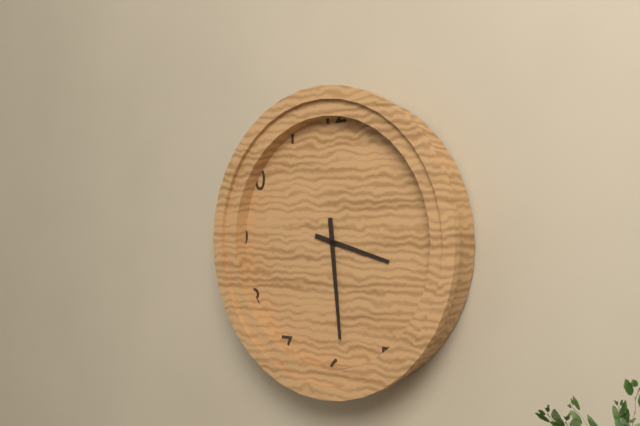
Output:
**3:29**
